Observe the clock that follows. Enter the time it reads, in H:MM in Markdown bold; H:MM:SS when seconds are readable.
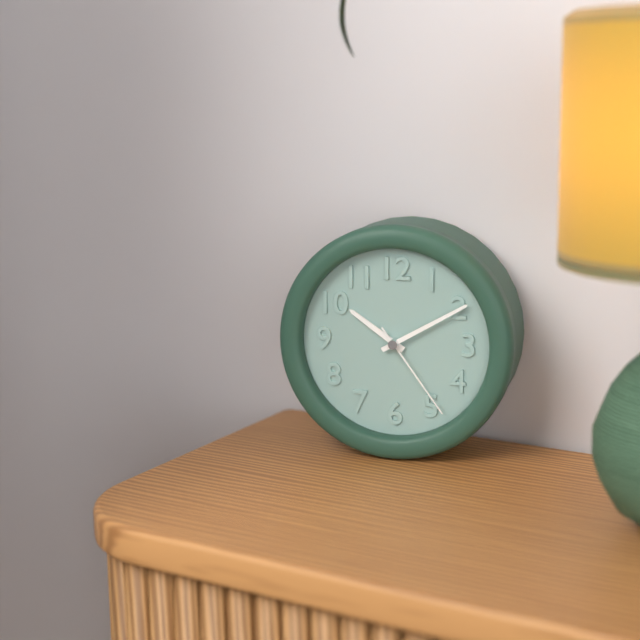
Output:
**10:10:24**
